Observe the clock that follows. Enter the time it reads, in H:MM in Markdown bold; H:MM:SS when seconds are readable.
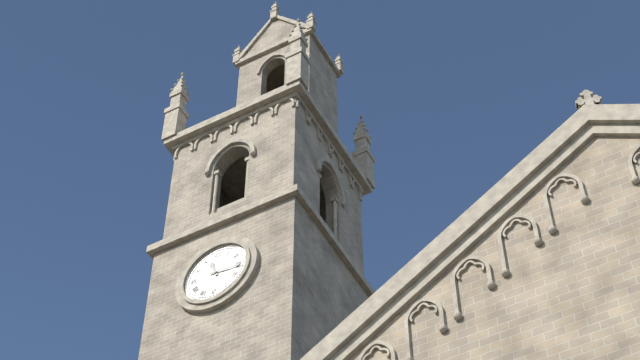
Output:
**11:16**
